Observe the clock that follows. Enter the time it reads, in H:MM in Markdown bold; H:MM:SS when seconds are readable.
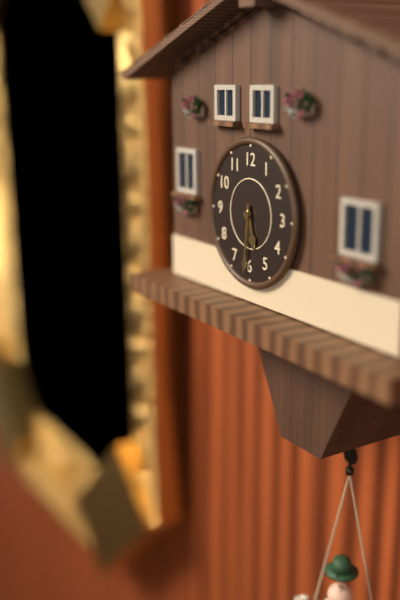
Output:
**5:31**
